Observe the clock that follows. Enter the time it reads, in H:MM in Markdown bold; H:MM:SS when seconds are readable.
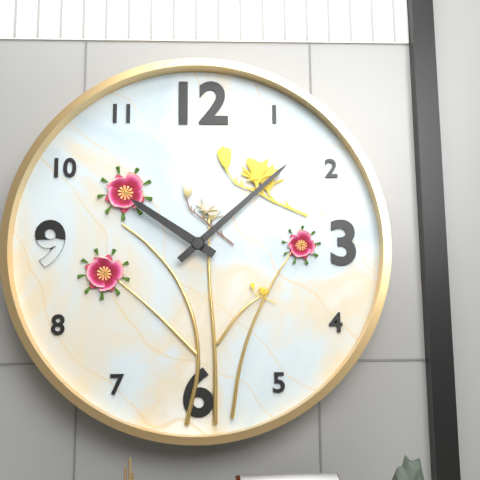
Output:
**10:08**
